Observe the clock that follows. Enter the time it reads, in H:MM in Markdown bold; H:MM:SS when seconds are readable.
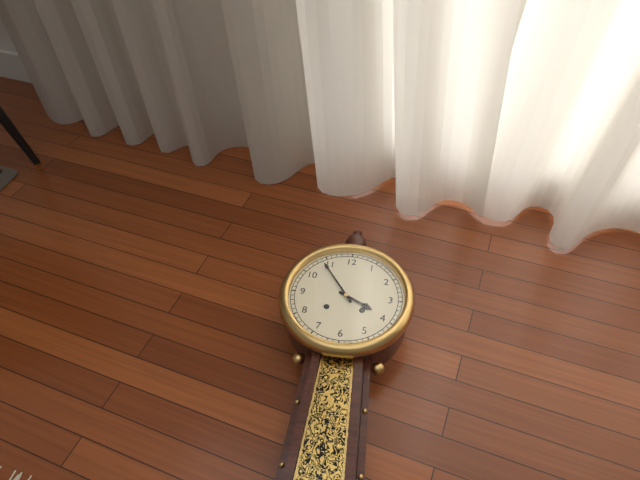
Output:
**3:54**
